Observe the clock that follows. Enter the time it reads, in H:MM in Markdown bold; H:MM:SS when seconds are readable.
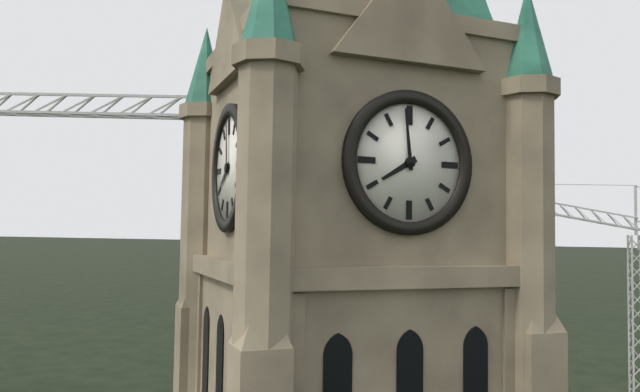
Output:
**7:59**
